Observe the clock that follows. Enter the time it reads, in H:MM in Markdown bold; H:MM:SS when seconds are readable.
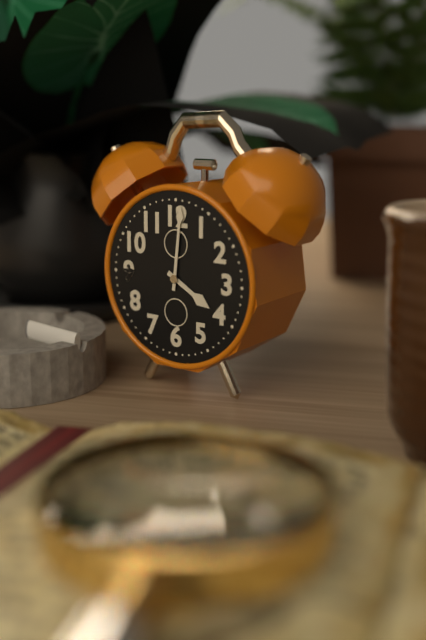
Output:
**4:01**
